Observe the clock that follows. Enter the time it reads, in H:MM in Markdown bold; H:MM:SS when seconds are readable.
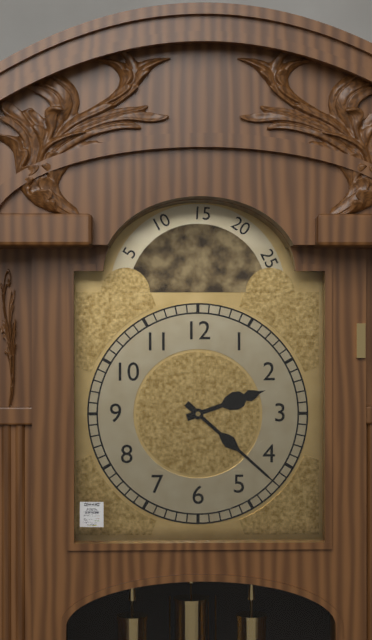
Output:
**2:22**
